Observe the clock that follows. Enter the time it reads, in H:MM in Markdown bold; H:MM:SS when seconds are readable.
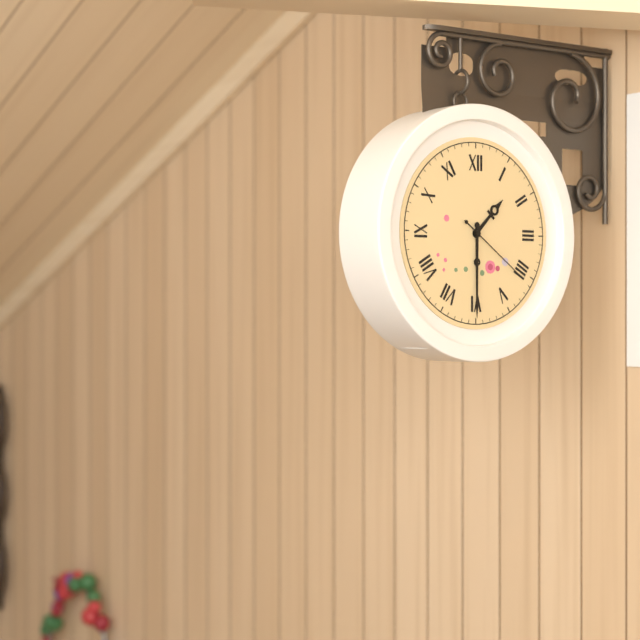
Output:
**1:30:21**
